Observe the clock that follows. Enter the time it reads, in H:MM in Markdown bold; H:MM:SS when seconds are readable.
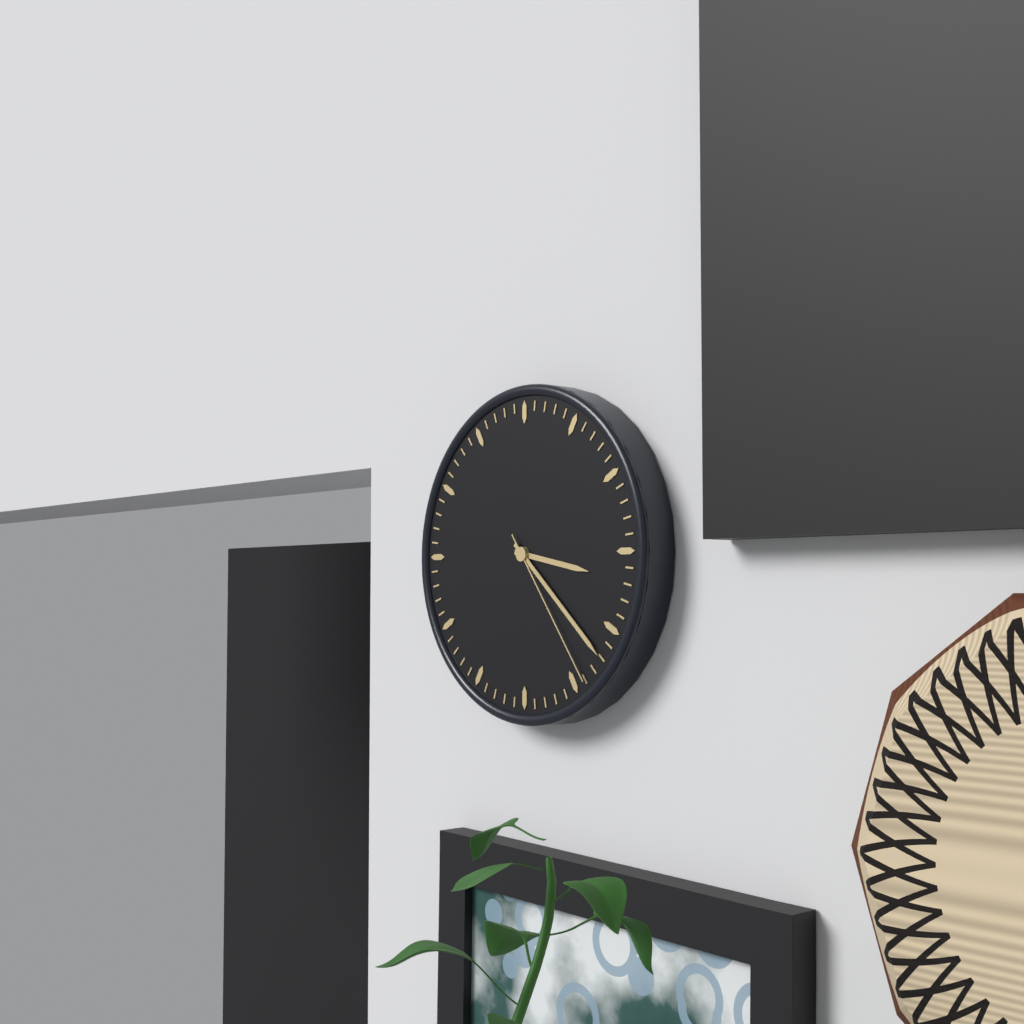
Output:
**3:22:24**
